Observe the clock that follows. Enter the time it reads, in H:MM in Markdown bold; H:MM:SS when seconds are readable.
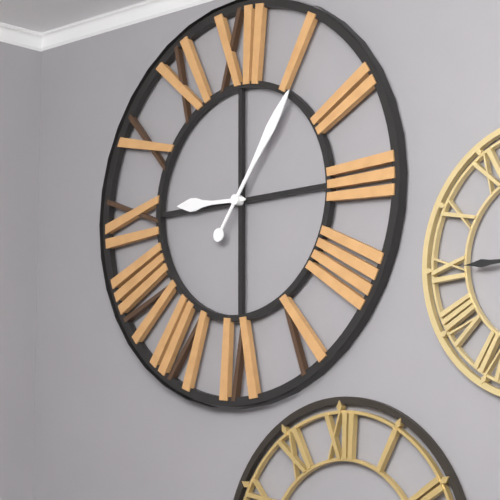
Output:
**9:06**
